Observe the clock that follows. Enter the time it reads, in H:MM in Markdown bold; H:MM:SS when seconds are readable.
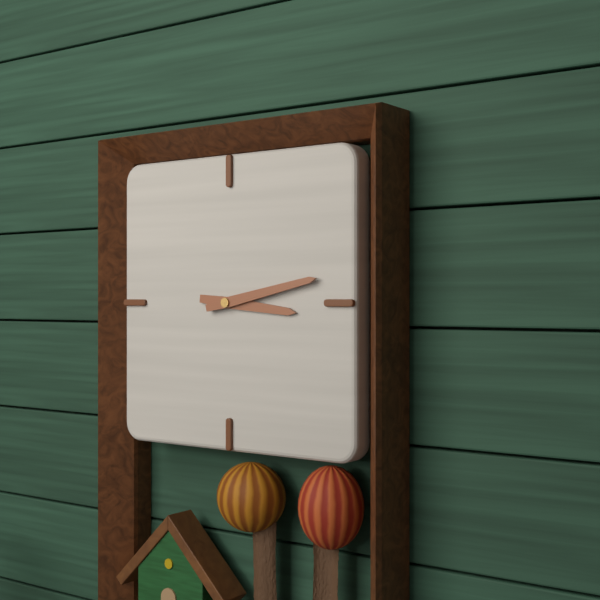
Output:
**3:13**
